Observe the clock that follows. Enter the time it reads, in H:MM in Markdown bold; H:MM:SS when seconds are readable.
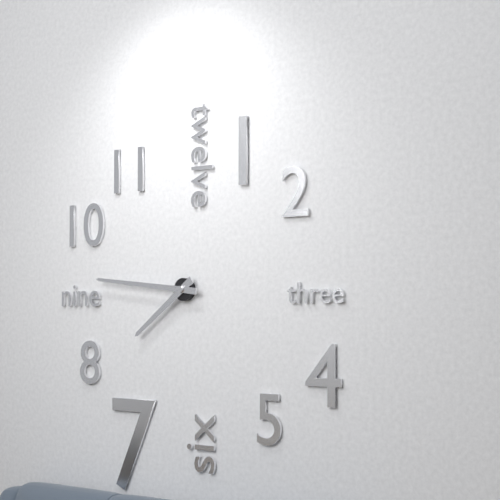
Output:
**7:46**
